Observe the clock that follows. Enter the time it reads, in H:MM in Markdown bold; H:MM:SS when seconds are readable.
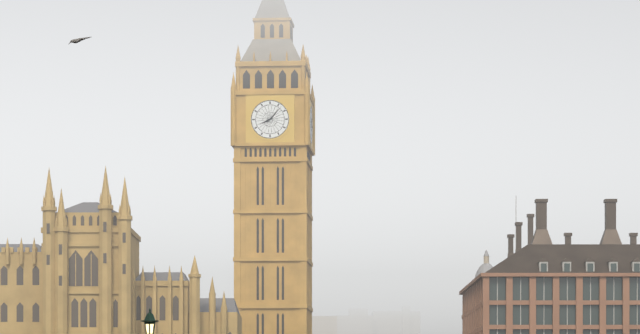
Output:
**8:07**
